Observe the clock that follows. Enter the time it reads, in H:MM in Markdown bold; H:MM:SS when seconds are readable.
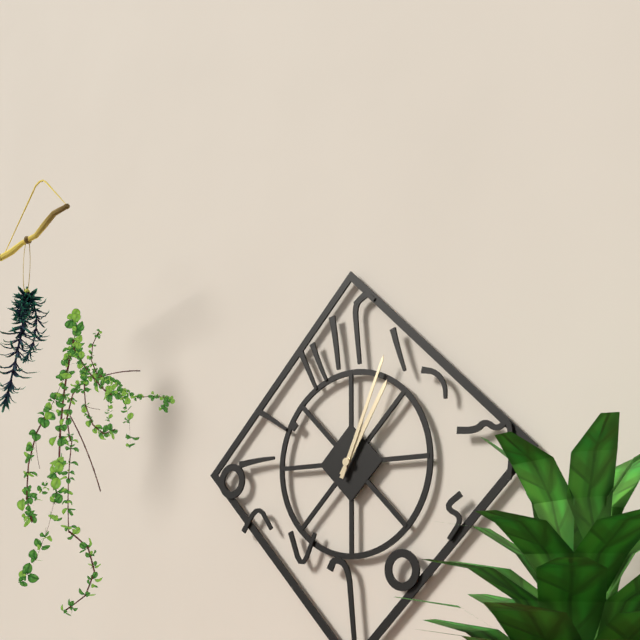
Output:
**1:04**
